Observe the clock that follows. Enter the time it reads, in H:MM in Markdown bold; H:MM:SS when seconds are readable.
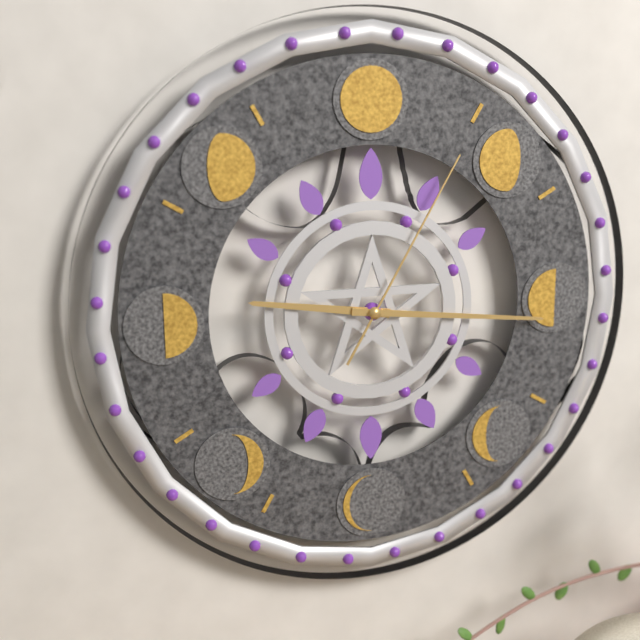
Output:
**9:16:05**
